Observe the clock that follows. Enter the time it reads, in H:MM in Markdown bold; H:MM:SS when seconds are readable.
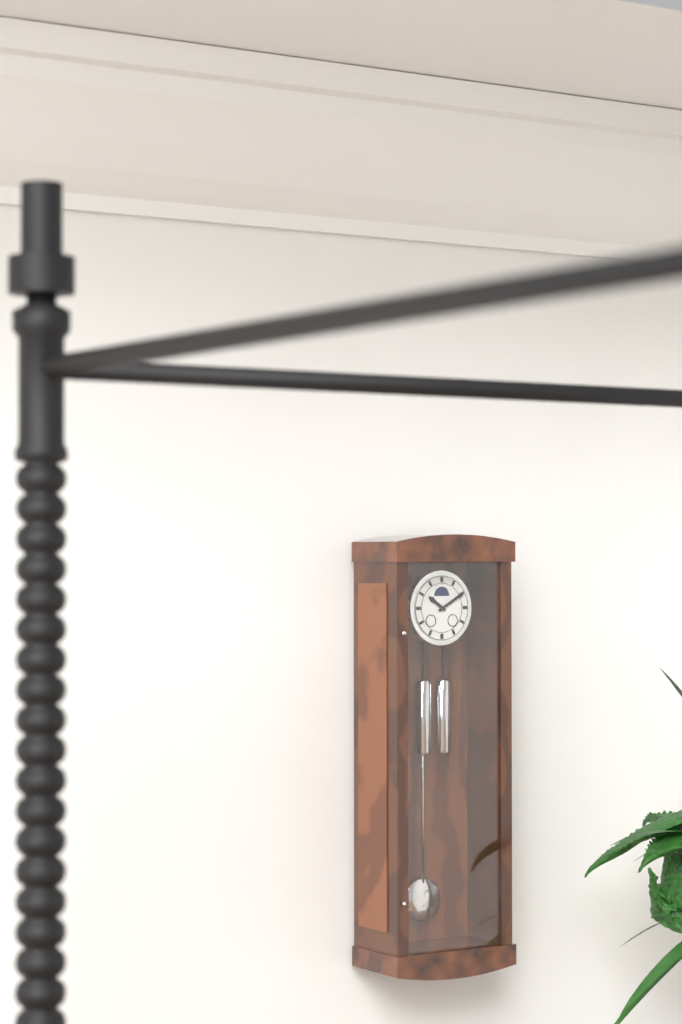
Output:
**10:10**
